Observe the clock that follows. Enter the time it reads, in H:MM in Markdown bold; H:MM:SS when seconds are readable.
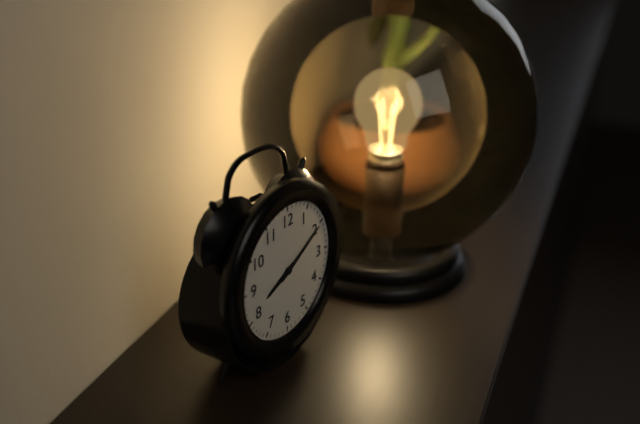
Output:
**8:10**
